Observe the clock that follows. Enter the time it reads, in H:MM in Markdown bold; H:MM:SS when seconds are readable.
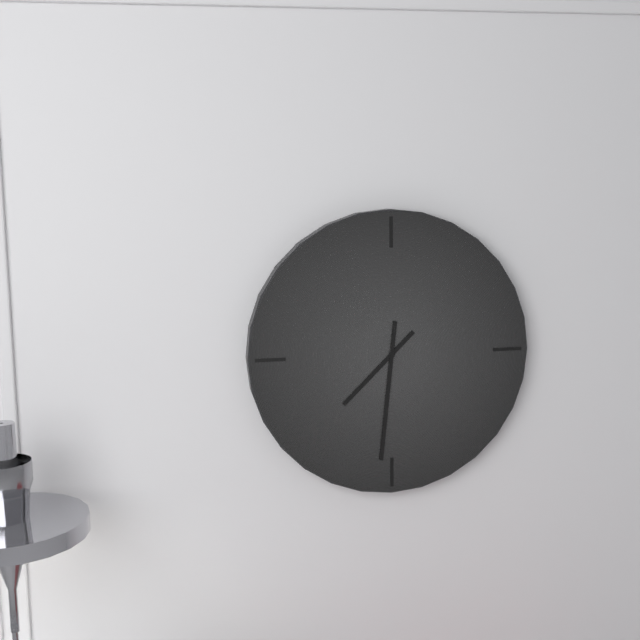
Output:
**7:31**
